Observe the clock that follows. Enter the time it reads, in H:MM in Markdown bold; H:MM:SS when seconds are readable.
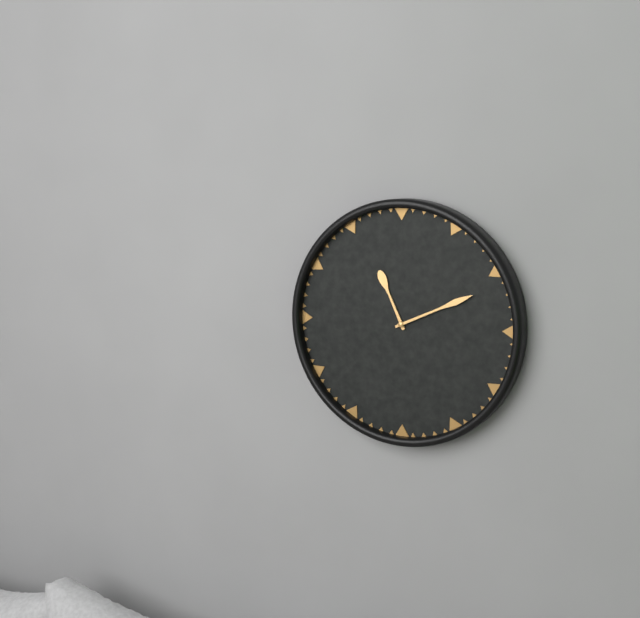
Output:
**11:11**
